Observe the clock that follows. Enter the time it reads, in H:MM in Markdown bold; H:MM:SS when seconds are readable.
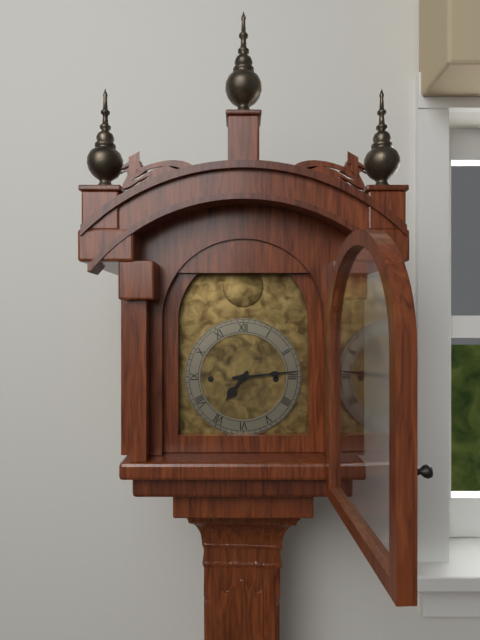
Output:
**7:14**
